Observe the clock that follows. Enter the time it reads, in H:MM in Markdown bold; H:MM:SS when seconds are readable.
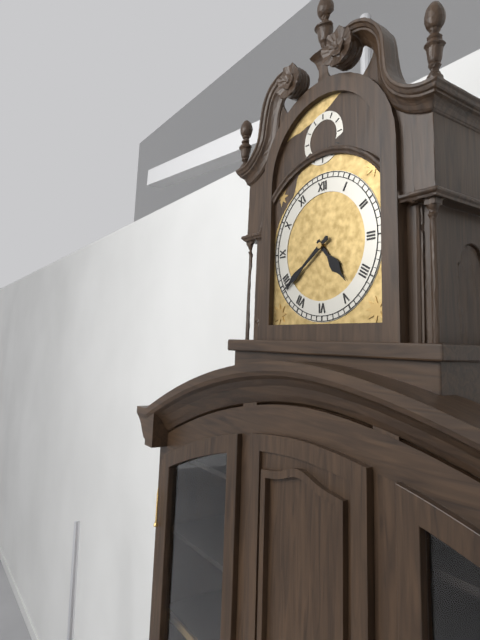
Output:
**4:39**
